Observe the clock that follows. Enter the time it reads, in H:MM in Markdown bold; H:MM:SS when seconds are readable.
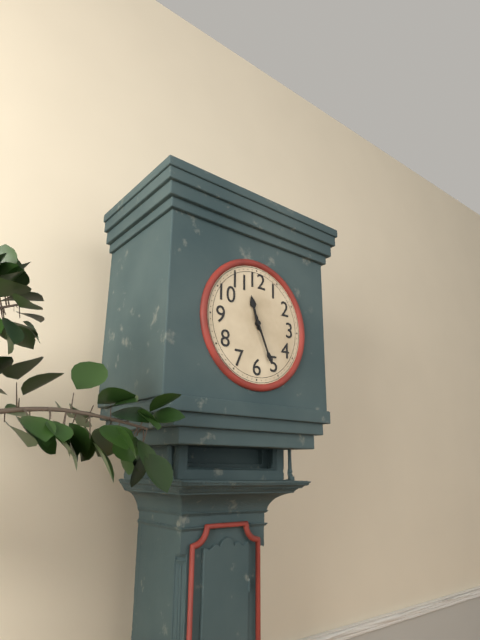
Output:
**11:26**
